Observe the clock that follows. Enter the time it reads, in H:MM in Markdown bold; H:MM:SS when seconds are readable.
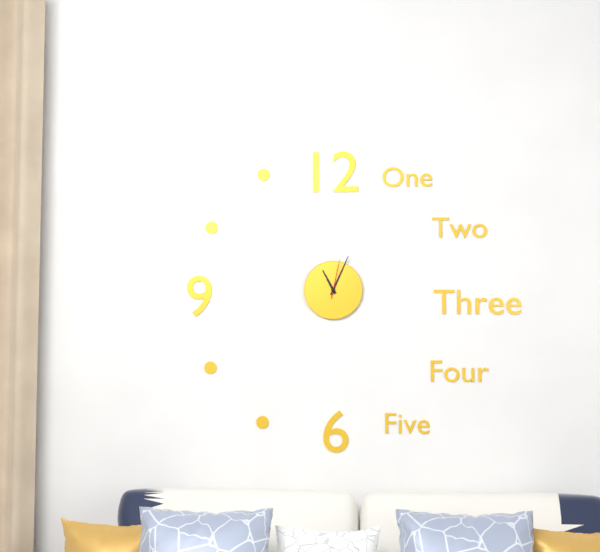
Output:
**11:04**
